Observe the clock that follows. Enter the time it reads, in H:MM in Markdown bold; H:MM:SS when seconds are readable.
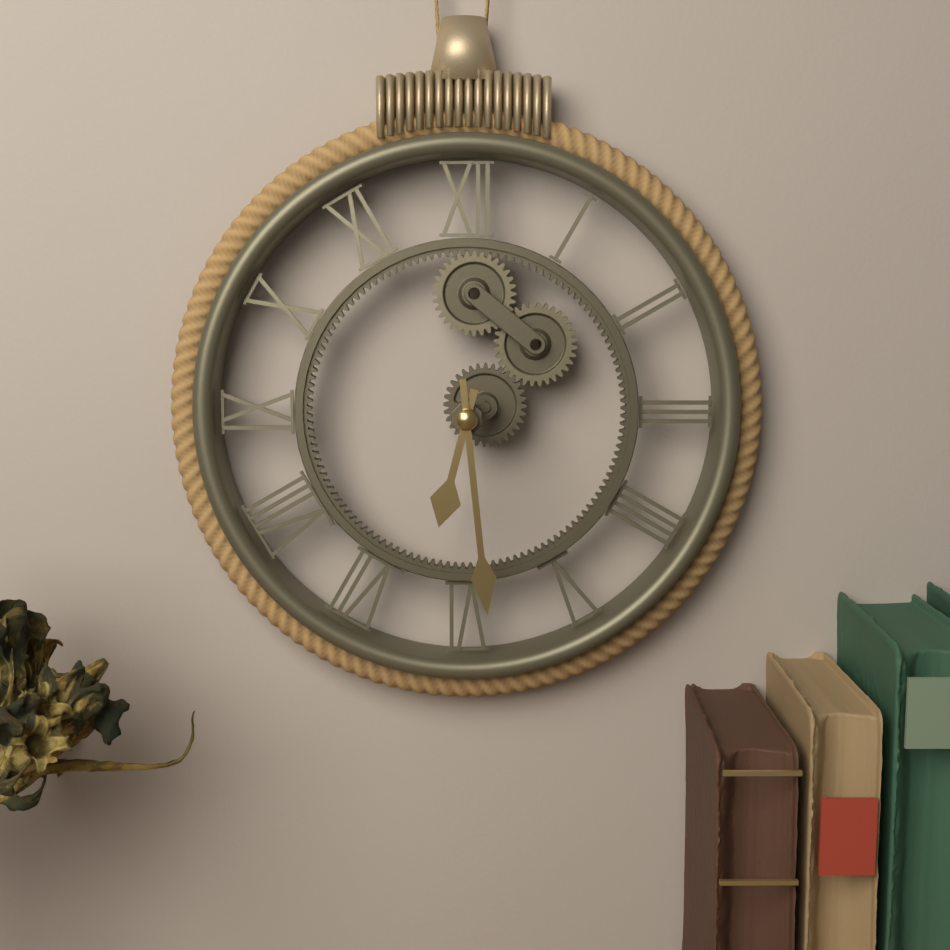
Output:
**6:29**
